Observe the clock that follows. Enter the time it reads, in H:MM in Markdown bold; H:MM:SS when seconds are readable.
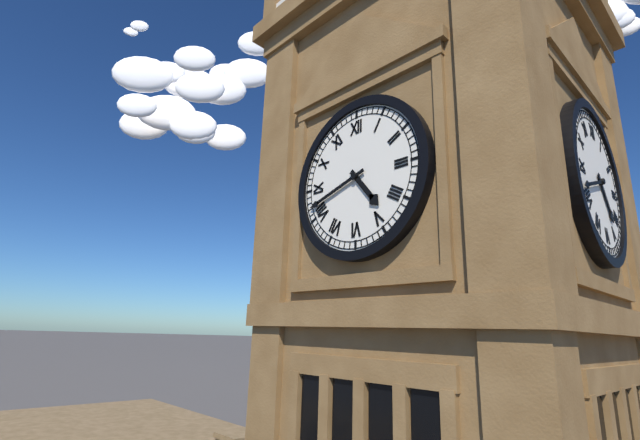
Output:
**4:42**
